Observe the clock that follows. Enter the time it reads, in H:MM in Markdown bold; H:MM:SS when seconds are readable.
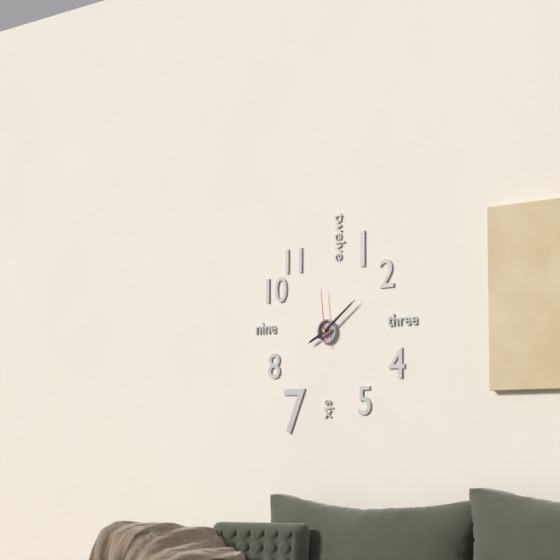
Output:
**8:09:59**
